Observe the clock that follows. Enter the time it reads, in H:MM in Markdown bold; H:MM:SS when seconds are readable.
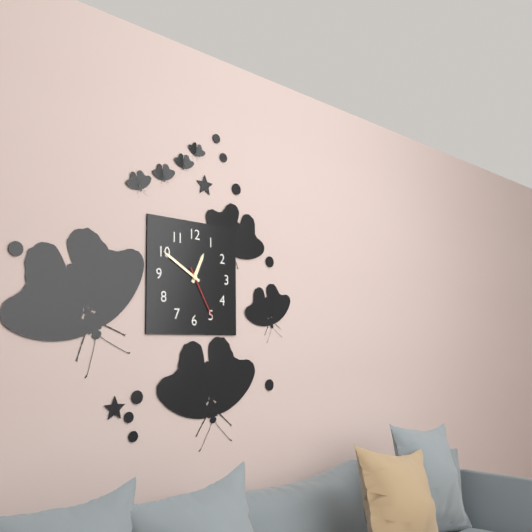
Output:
**12:50:25**
